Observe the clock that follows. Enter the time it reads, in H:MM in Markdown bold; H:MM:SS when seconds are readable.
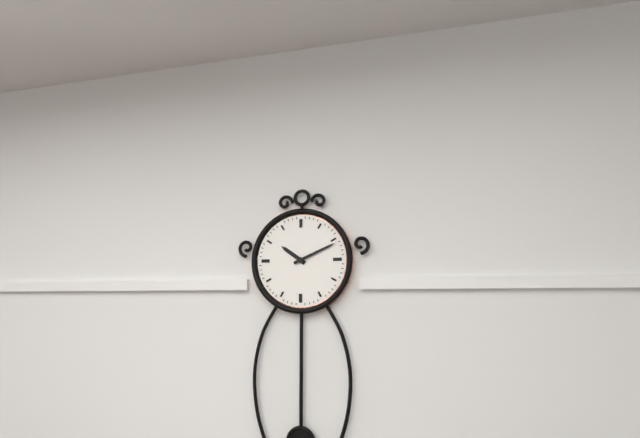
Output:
**10:11**
